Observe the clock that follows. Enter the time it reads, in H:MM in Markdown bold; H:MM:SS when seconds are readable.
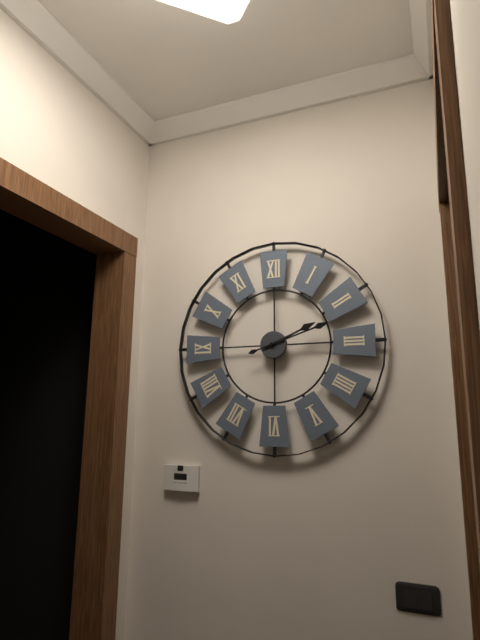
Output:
**2:12**
